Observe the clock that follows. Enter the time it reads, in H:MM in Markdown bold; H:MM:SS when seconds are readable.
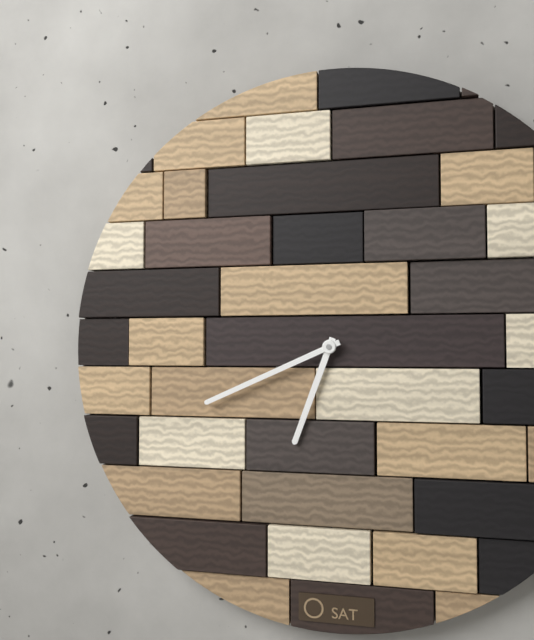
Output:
**6:41**
